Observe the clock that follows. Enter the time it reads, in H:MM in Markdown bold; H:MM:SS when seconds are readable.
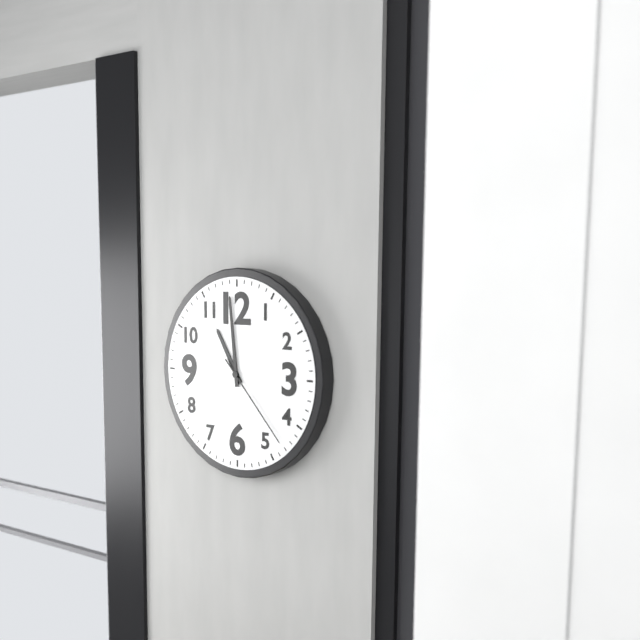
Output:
**10:59:23**
